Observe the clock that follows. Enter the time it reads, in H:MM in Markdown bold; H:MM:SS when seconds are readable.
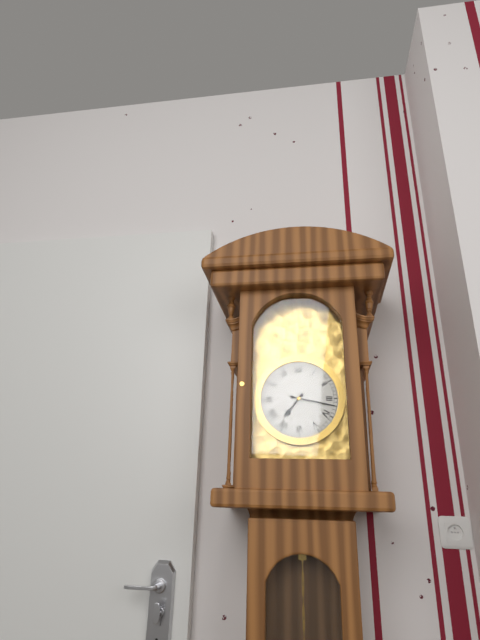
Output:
**7:17**
